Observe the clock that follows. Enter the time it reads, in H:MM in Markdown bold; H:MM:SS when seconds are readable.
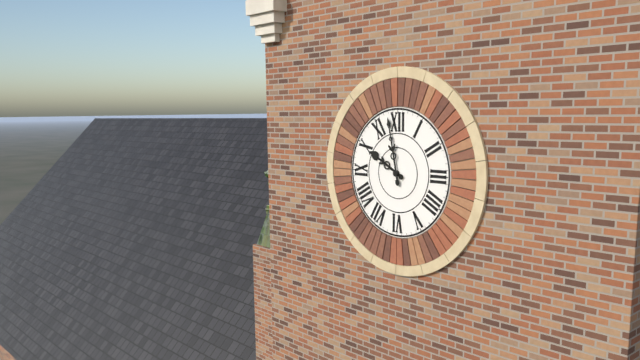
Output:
**9:58**
